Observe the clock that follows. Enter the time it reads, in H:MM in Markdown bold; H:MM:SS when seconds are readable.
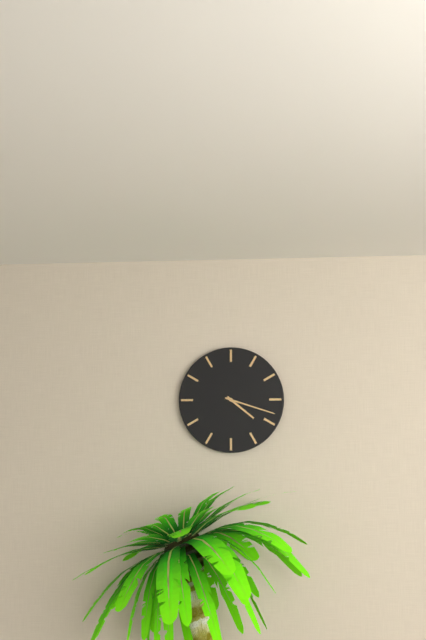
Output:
**4:18**
